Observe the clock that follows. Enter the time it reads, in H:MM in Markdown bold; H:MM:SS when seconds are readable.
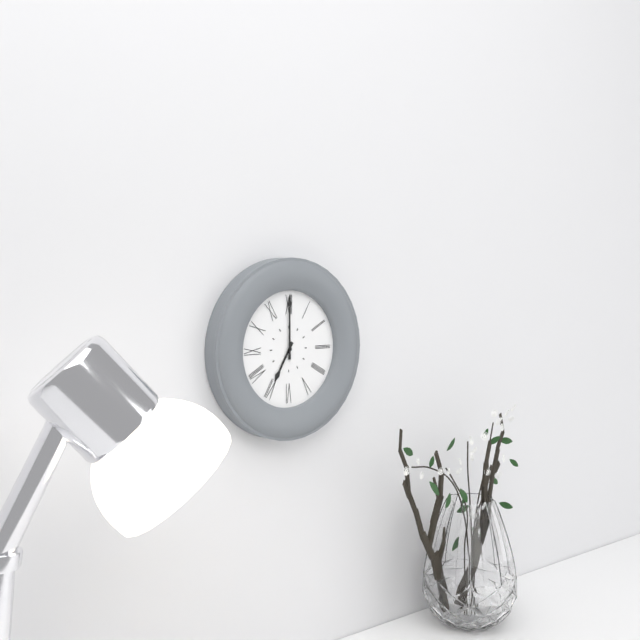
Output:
**7:00**
